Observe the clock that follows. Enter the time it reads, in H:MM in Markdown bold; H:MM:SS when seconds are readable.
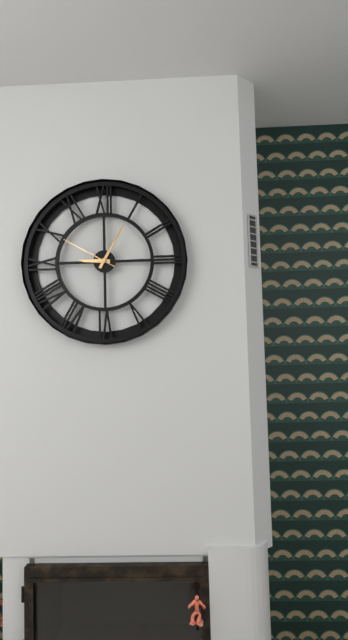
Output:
**9:05:50**
